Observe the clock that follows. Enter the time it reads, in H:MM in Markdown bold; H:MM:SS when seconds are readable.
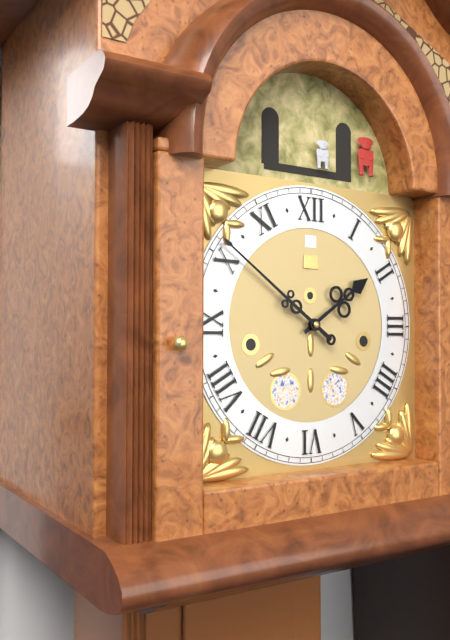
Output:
**1:51**
